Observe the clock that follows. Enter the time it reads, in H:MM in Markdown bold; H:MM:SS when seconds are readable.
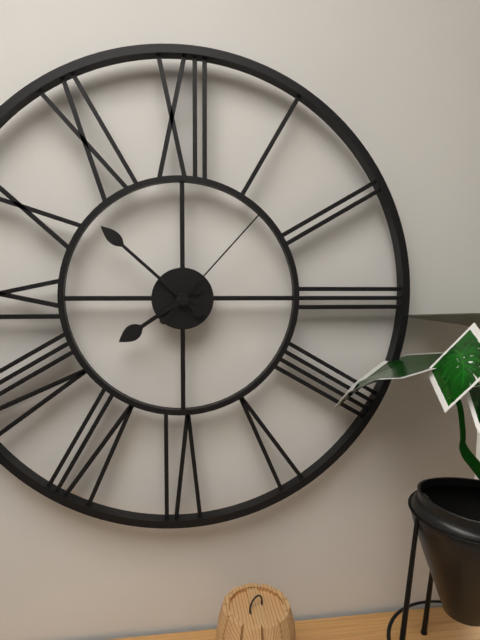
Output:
**7:52:07**
